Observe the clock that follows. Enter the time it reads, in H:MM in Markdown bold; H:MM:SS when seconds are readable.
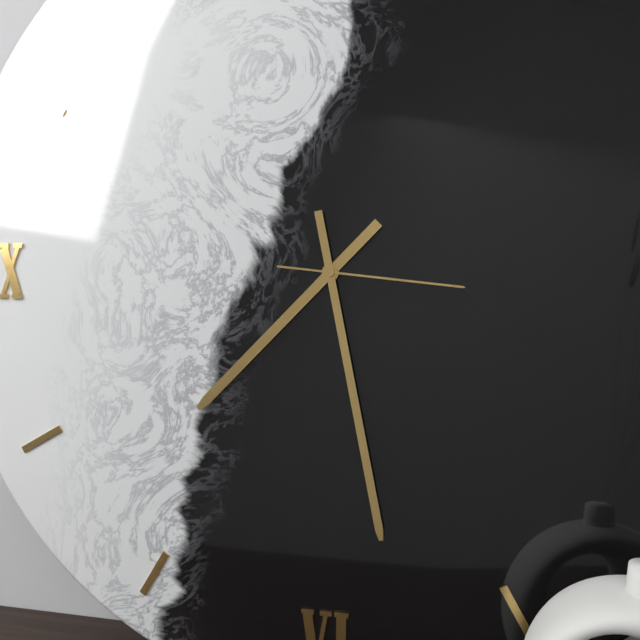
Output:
**7:28:16**
